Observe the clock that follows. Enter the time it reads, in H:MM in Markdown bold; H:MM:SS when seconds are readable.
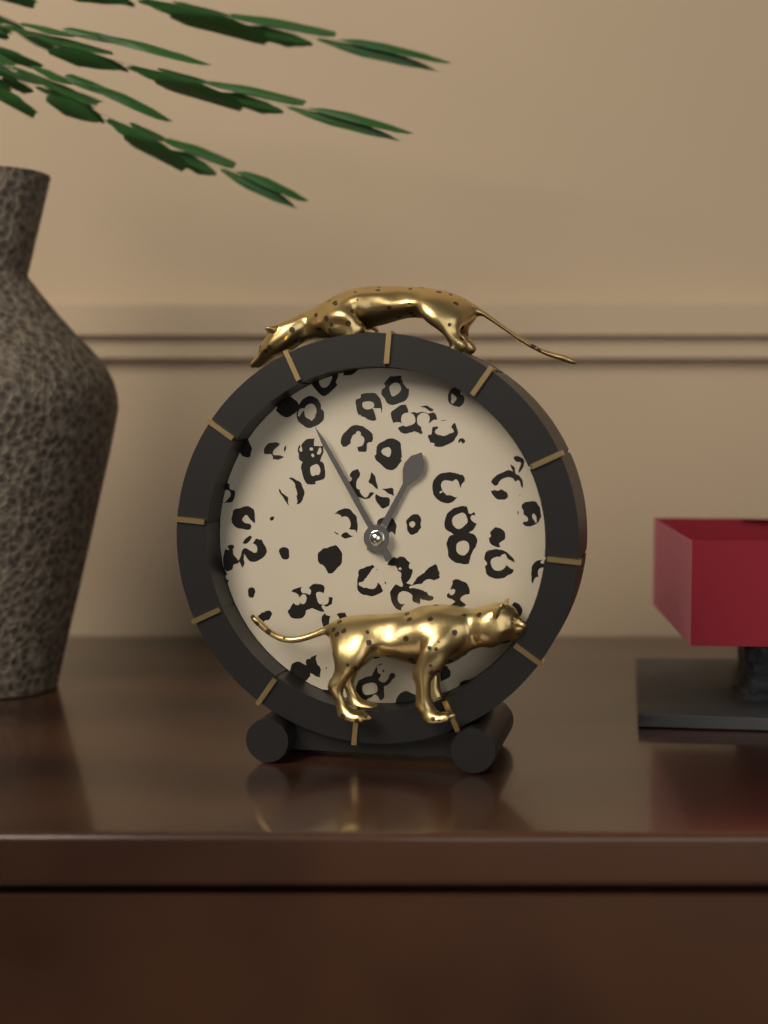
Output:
**12:55**
